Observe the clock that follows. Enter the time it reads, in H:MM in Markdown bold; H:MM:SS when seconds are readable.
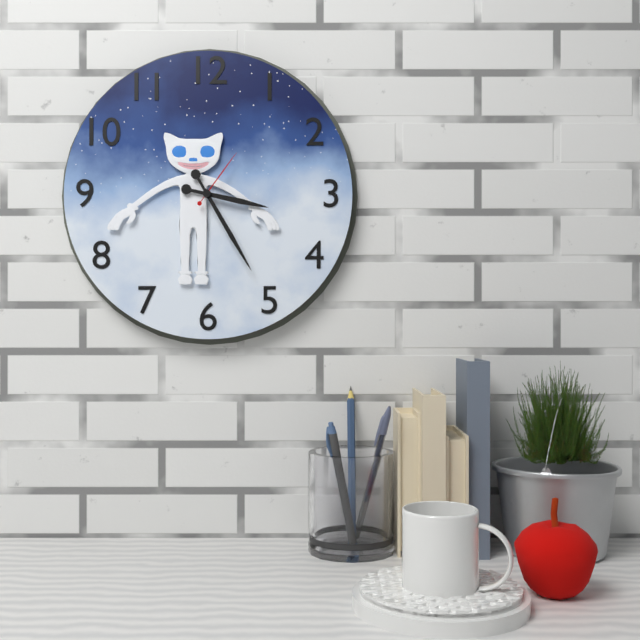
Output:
**3:25:06**
